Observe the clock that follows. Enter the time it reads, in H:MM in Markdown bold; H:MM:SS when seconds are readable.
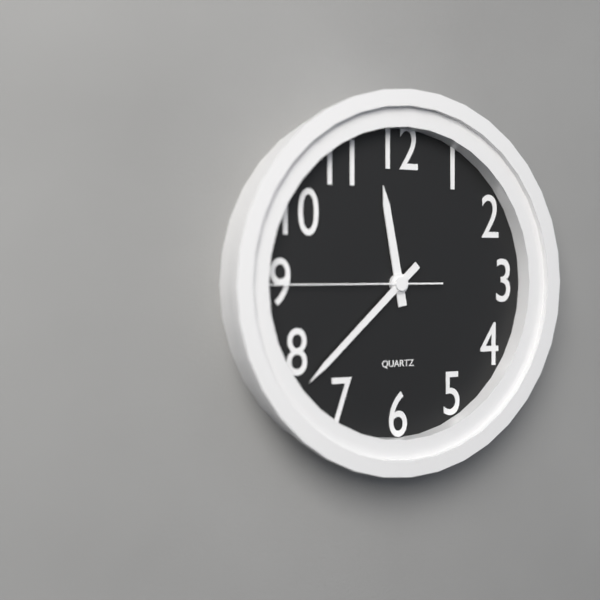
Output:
**11:38:45**
